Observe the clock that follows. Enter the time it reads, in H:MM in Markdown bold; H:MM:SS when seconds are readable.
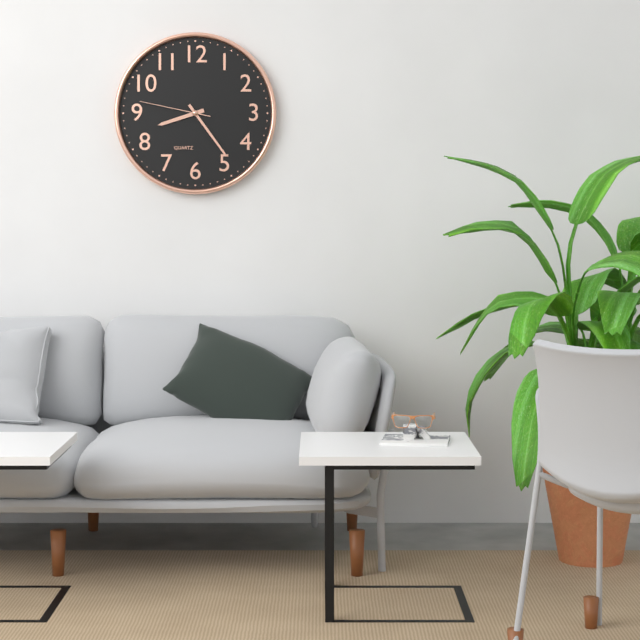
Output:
**8:24:47**
